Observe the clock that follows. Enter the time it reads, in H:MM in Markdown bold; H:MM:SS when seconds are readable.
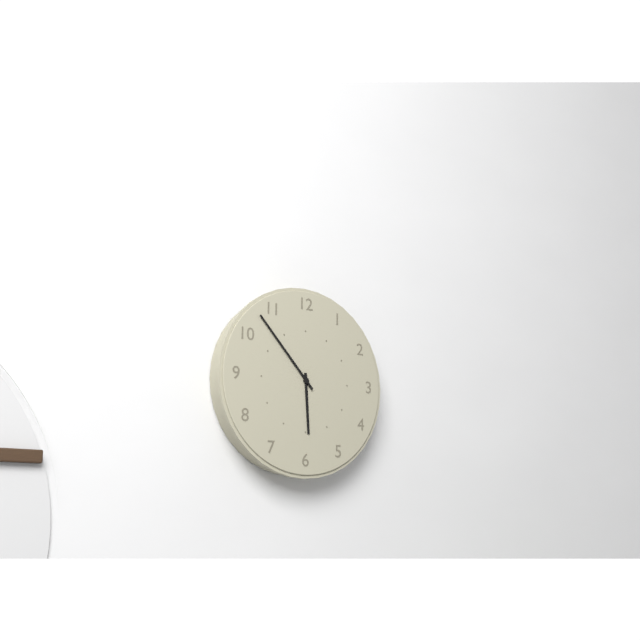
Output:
**5:53**
